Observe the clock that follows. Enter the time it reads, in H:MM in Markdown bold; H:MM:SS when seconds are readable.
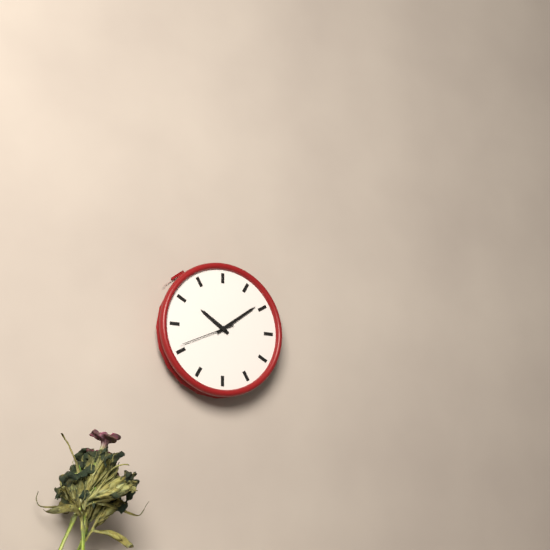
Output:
**10:09:41**
